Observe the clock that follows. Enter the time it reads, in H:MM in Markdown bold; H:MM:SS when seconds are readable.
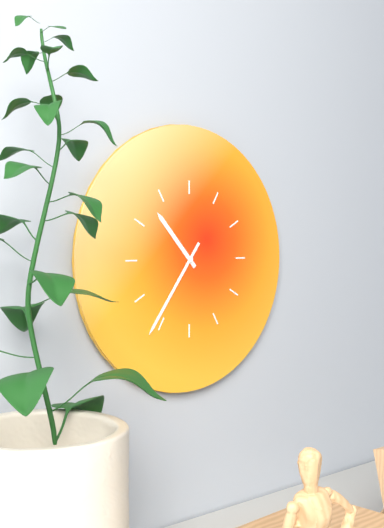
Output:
**10:36**
